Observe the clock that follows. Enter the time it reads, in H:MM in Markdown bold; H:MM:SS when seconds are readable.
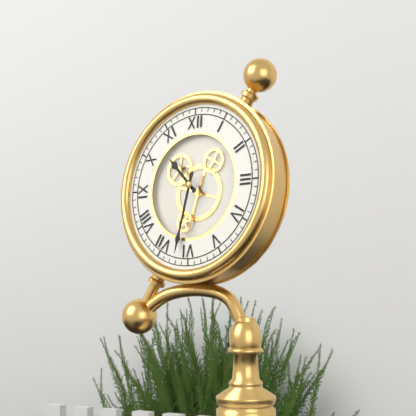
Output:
**10:32**
